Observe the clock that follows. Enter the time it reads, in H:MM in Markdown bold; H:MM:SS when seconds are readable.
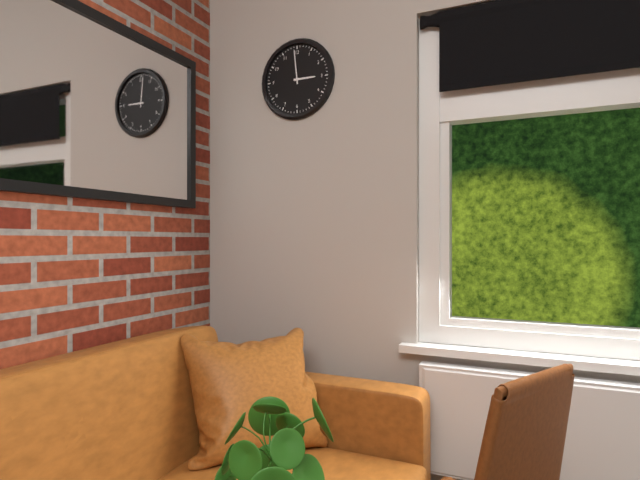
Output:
**2:59**
